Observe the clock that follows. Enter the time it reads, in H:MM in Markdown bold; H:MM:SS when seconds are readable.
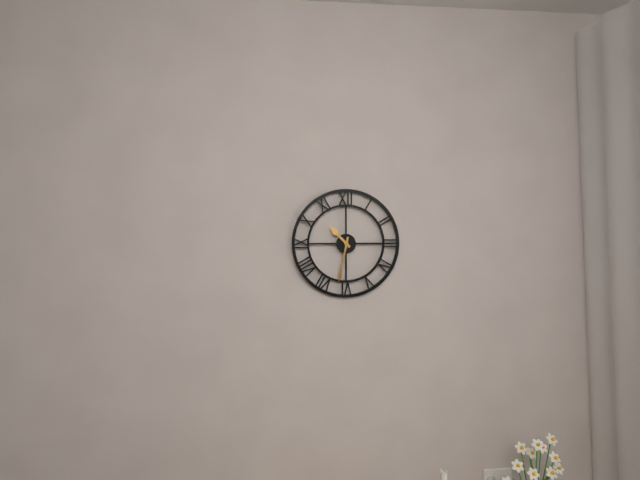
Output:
**10:32**
